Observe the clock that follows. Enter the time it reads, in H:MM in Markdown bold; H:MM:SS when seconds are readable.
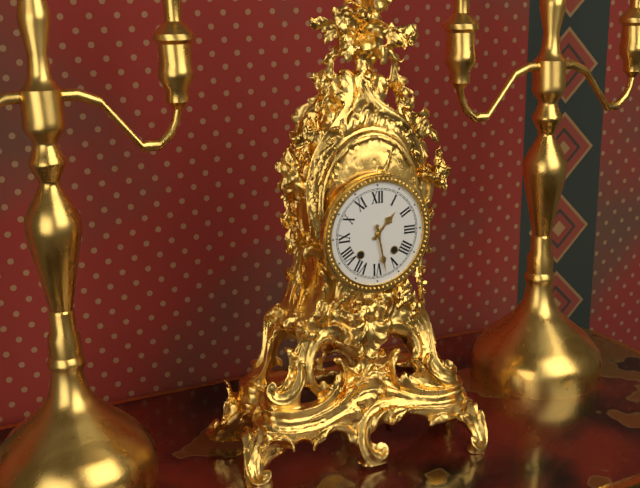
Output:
**1:28**
